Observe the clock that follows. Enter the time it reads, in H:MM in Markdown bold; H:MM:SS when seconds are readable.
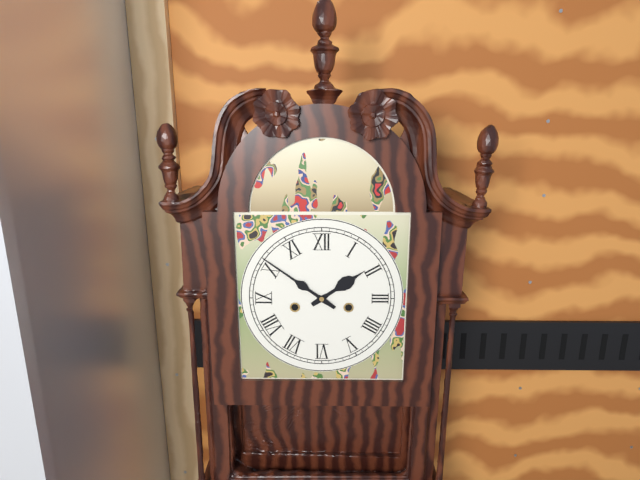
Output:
**1:51**
